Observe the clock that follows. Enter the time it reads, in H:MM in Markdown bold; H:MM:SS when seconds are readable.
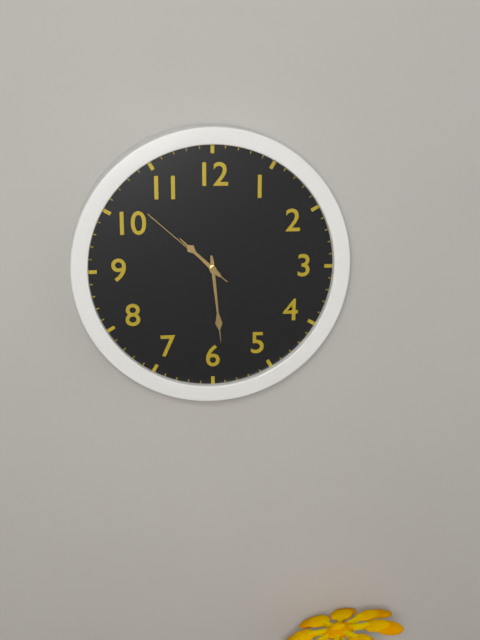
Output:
**10:29:52**
